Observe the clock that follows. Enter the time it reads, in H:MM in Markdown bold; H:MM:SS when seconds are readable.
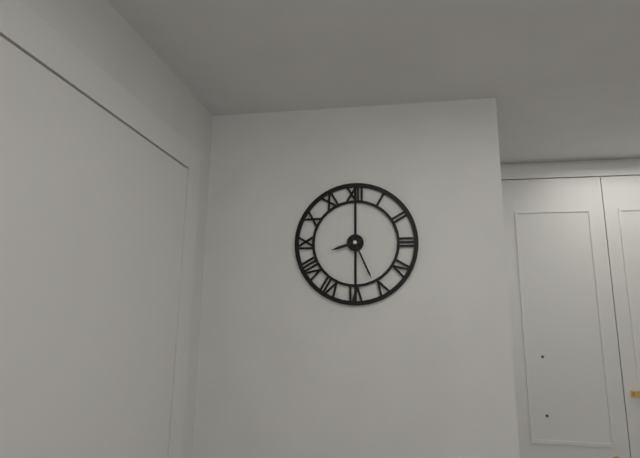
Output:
**8:26**
